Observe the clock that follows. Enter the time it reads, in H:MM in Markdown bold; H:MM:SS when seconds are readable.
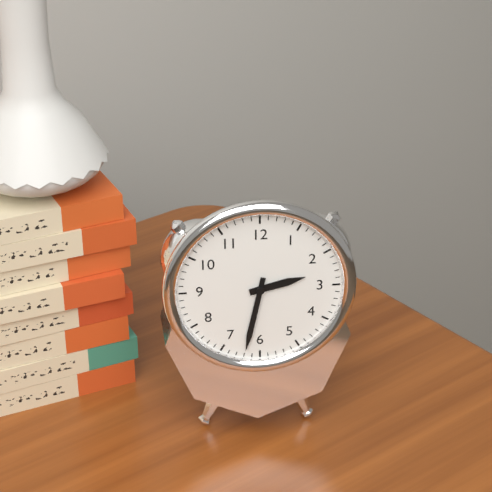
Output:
**2:32**
